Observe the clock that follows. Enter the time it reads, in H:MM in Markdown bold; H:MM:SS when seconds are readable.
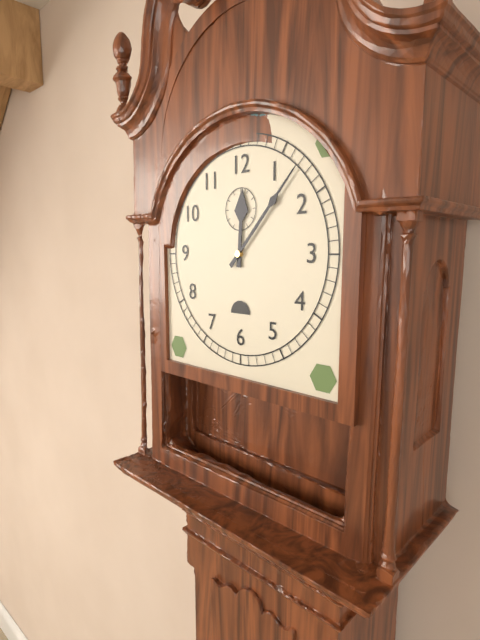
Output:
**12:07**
